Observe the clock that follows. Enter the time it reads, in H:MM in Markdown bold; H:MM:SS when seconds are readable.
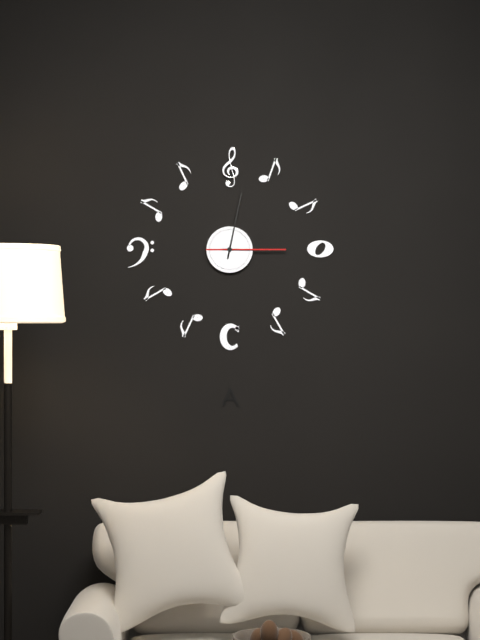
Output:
**3:02:15**
